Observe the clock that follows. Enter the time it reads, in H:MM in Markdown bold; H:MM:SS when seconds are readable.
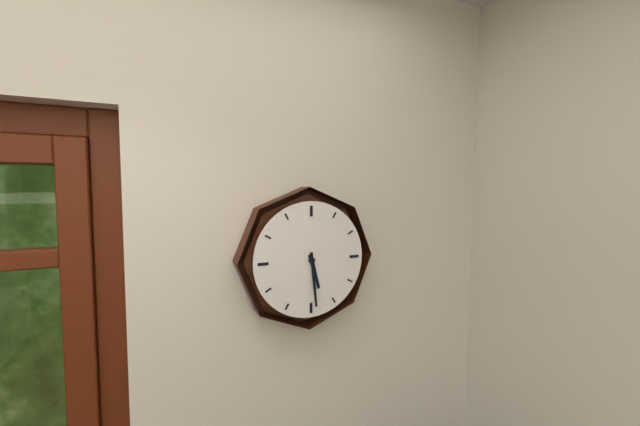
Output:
**5:29**
